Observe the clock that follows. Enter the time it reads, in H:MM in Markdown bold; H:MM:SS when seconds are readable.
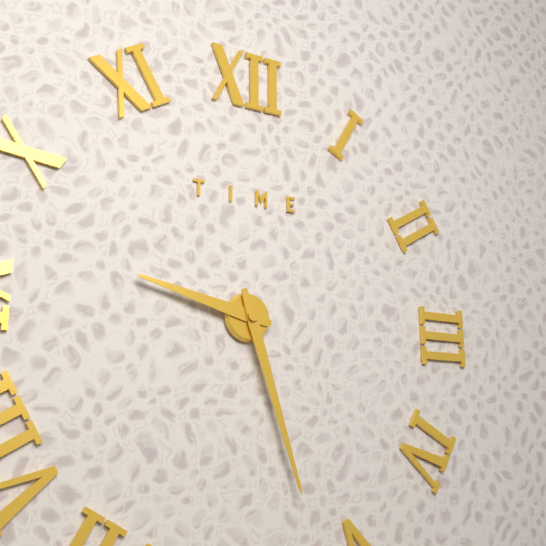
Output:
**9:27**
